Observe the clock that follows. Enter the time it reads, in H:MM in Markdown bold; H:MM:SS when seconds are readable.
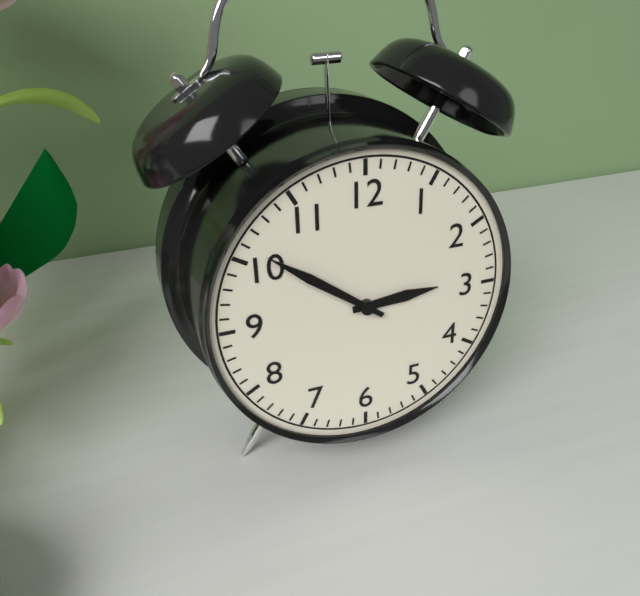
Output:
**2:51**
